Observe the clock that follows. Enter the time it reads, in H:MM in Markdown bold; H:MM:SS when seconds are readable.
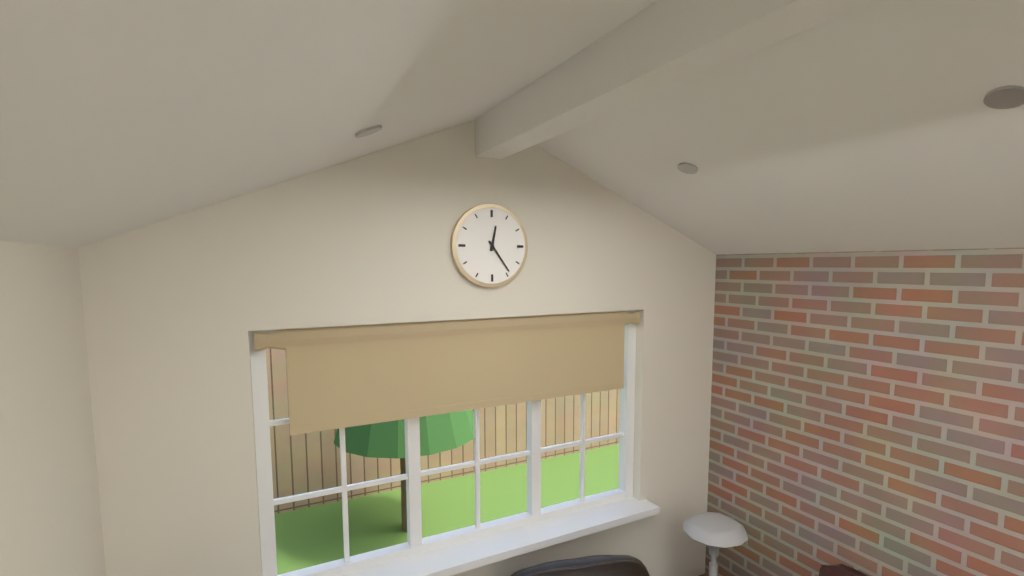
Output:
**12:24**
